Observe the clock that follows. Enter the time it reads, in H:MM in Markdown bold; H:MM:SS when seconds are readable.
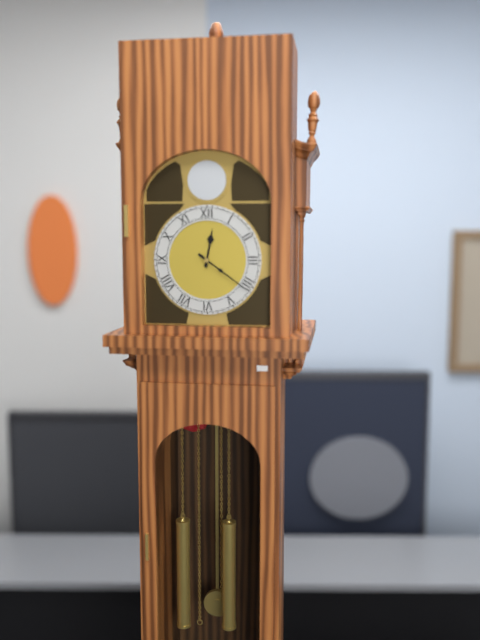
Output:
**12:21**
